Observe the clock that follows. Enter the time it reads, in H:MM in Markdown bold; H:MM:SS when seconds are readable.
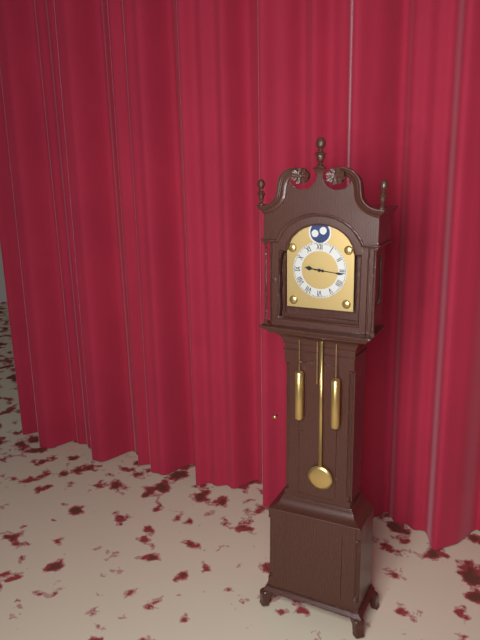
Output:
**9:16**
